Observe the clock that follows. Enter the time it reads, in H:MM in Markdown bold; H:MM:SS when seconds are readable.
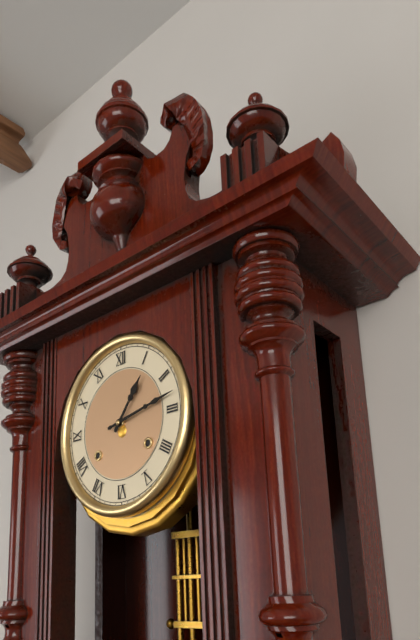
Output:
**1:13**
